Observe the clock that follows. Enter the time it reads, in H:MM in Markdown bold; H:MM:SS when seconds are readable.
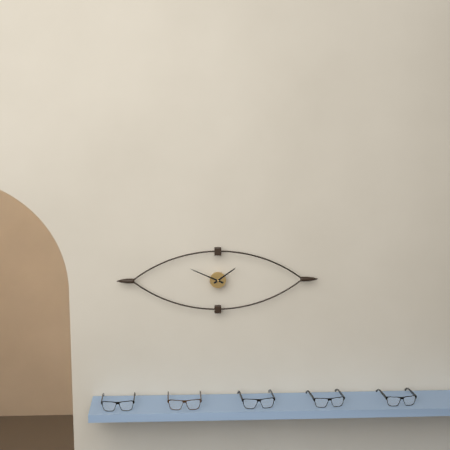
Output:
**1:49**
